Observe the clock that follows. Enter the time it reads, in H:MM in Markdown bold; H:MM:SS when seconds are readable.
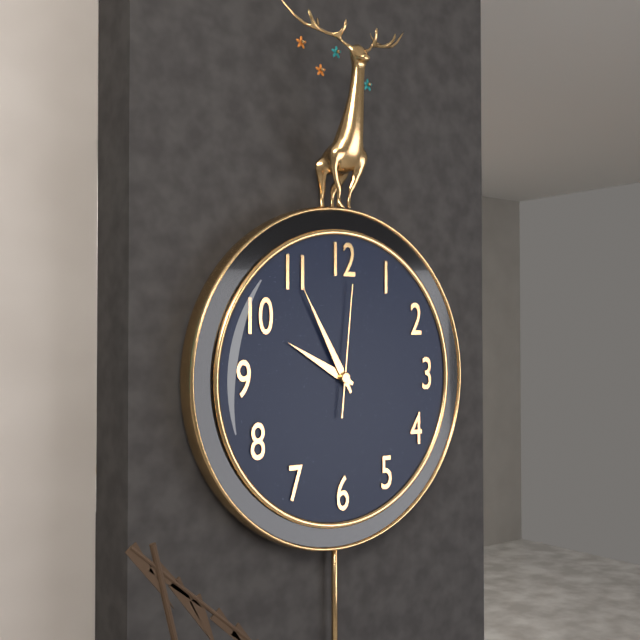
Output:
**9:55:01**
